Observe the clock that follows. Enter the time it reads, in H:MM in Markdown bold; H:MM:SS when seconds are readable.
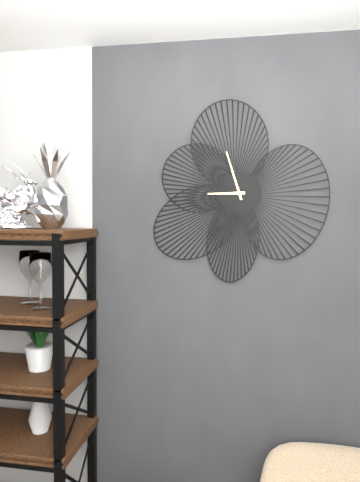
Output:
**8:57**
